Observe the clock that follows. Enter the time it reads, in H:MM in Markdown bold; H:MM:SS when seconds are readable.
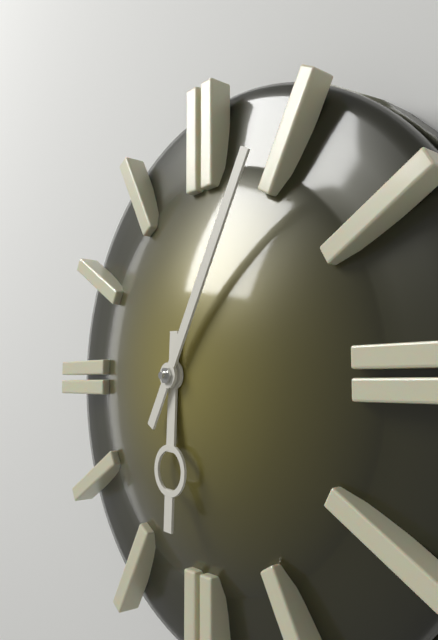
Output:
**6:05**
